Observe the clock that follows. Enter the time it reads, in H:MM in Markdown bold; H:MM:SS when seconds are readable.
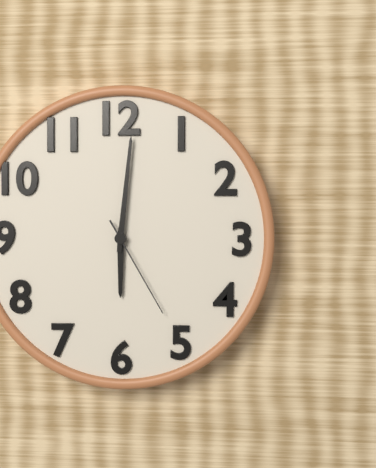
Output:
**6:01:25**
